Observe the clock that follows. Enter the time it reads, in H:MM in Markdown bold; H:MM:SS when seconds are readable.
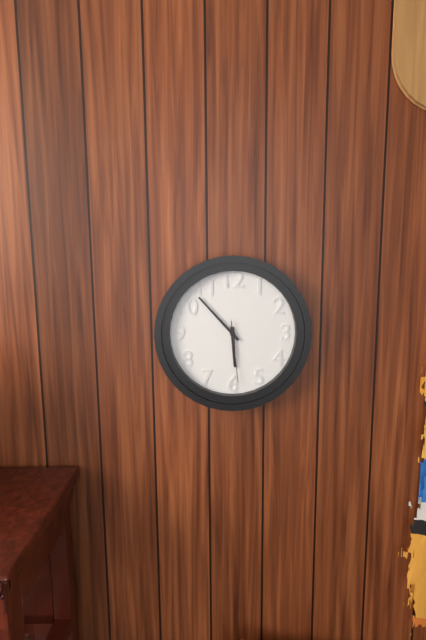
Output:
**5:53:29**
